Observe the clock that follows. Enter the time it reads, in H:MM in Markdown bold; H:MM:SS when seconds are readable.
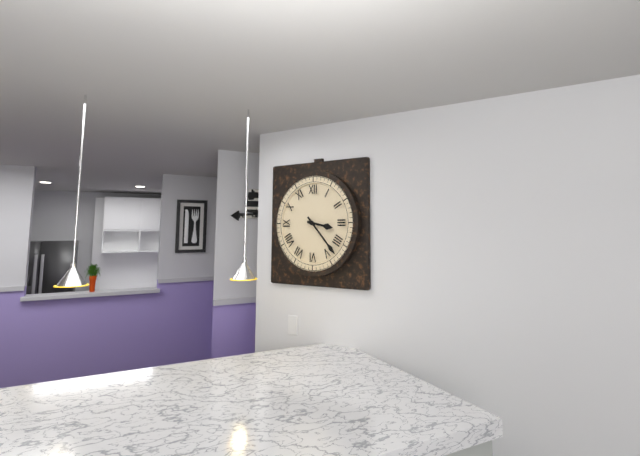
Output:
**3:23**
